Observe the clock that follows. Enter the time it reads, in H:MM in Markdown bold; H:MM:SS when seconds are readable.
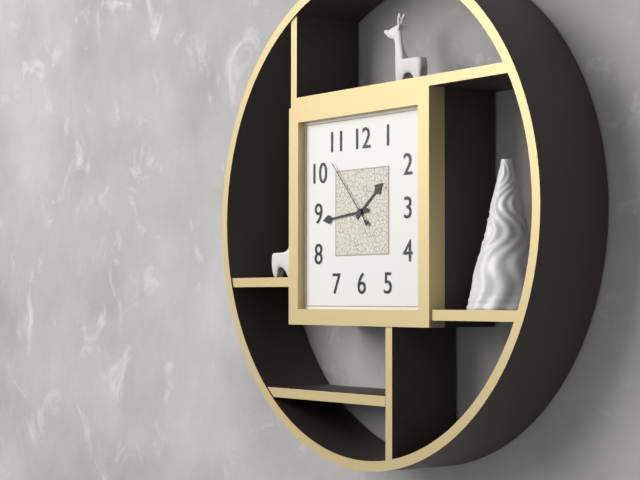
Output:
**1:44:53**
